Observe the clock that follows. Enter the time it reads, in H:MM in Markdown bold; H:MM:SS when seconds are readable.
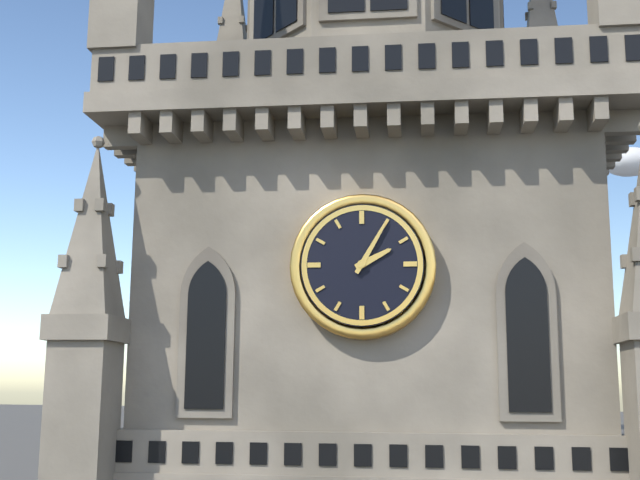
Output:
**2:05**
